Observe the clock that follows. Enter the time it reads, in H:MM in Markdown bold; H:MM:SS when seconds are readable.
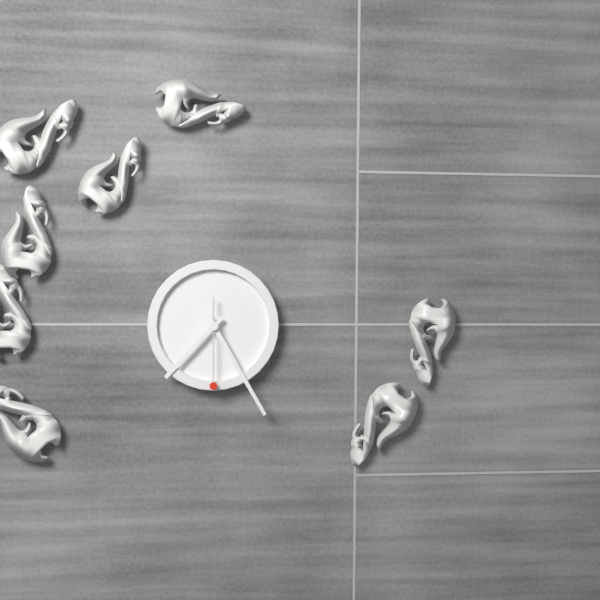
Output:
**7:25:30**
